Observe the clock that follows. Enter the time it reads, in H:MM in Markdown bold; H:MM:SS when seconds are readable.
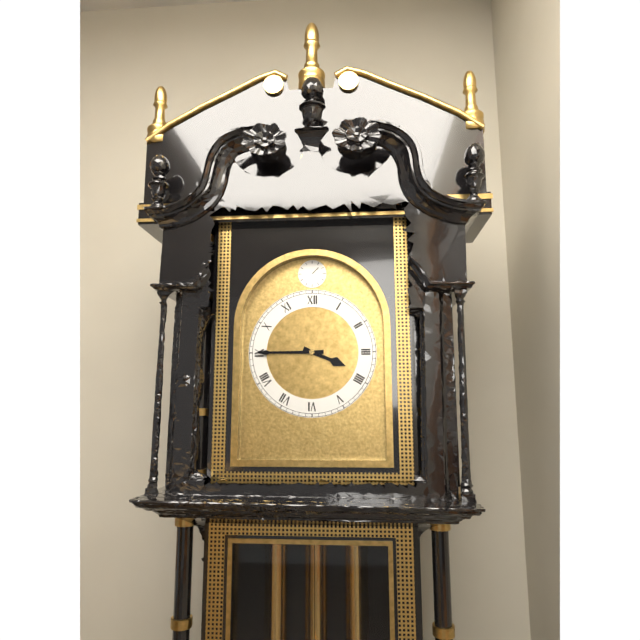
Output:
**3:45**
